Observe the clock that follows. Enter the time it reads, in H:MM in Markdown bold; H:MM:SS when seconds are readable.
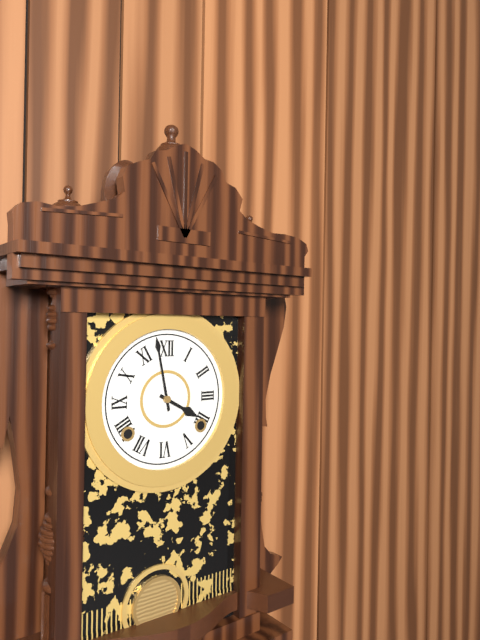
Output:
**3:58**
